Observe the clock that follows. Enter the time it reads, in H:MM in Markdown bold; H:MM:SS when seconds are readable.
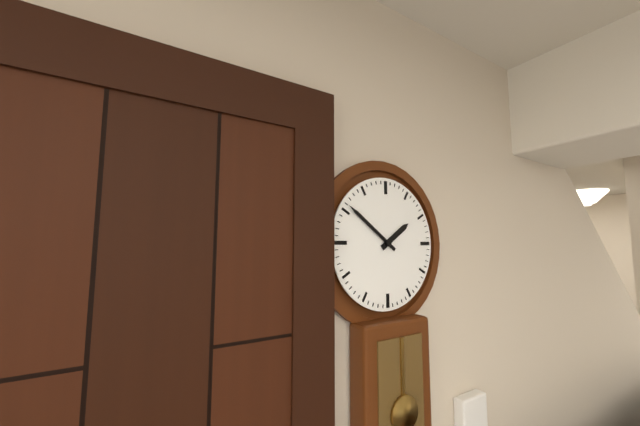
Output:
**1:51**
